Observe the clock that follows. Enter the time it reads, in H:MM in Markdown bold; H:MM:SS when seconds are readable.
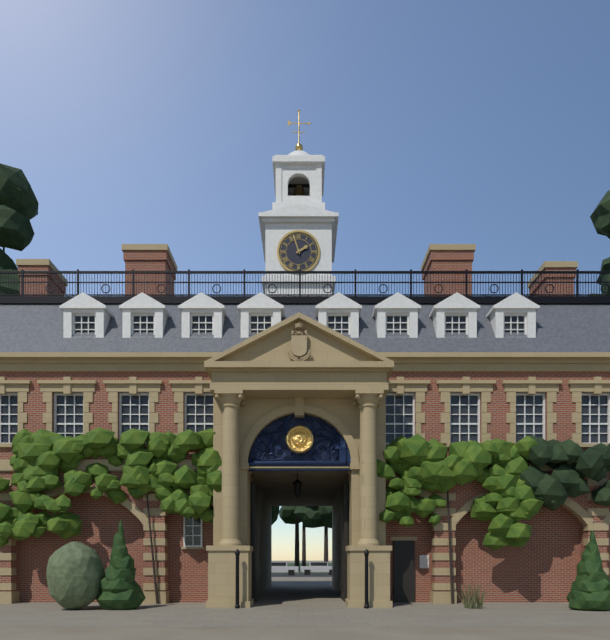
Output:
**1:57**
